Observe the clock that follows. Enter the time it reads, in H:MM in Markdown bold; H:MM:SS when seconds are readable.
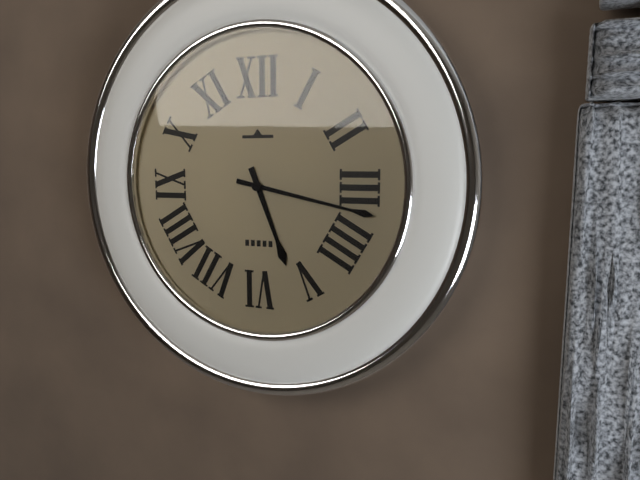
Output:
**5:17**
